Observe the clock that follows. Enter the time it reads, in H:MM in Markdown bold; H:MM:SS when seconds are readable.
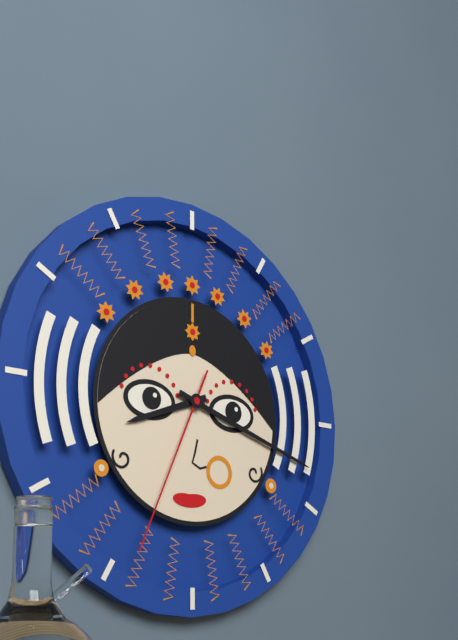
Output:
**8:18:34**
